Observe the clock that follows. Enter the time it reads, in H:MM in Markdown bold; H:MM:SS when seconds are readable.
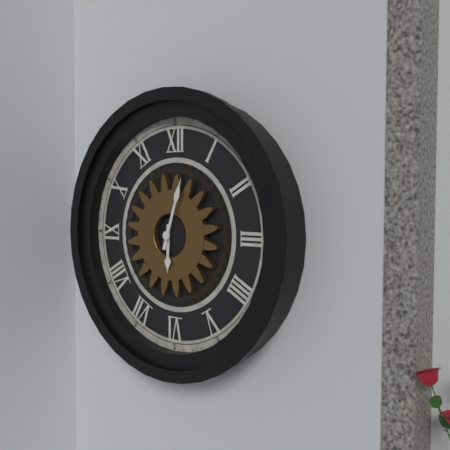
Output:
**6:03**
